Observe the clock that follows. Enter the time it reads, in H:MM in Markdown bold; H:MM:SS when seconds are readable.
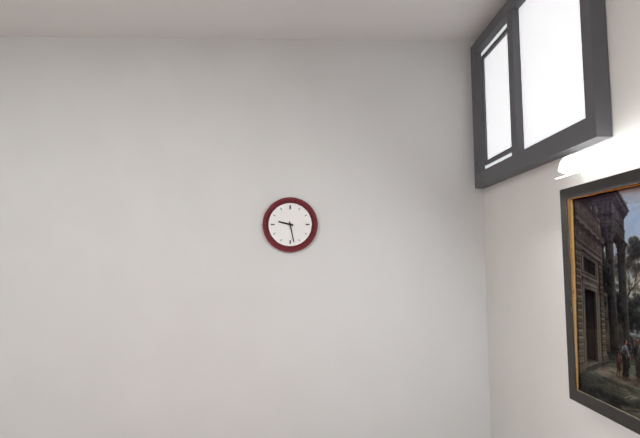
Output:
**9:28**
